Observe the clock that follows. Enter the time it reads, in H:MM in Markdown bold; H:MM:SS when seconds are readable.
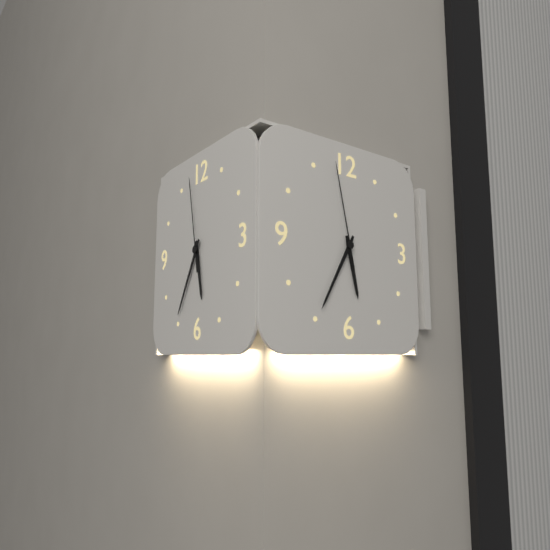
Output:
**5:35:58**
